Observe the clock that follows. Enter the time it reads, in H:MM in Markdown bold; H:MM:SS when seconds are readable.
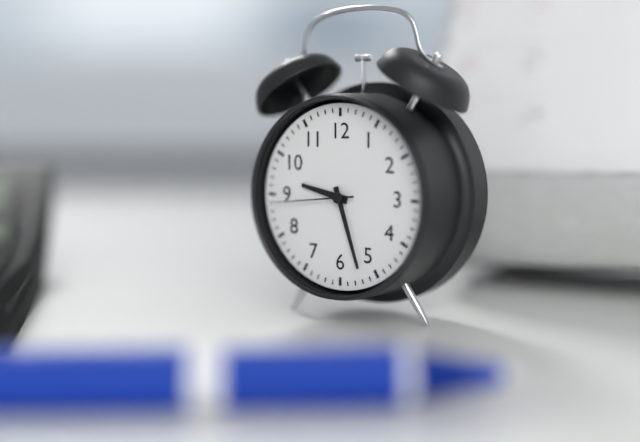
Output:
**9:27:44**
